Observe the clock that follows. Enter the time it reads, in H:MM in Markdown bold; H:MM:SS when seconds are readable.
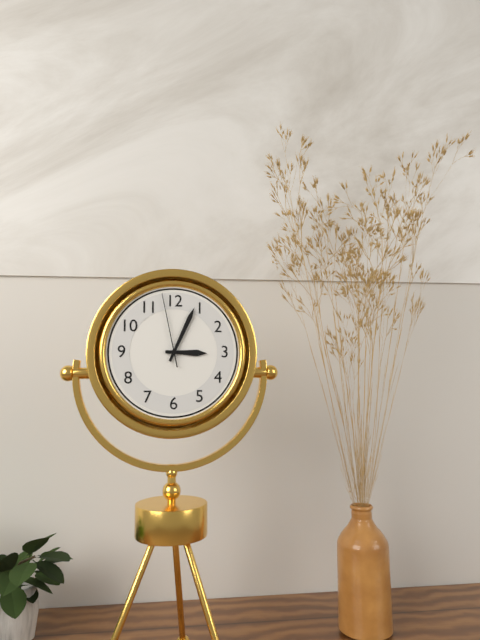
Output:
**3:04:58**
